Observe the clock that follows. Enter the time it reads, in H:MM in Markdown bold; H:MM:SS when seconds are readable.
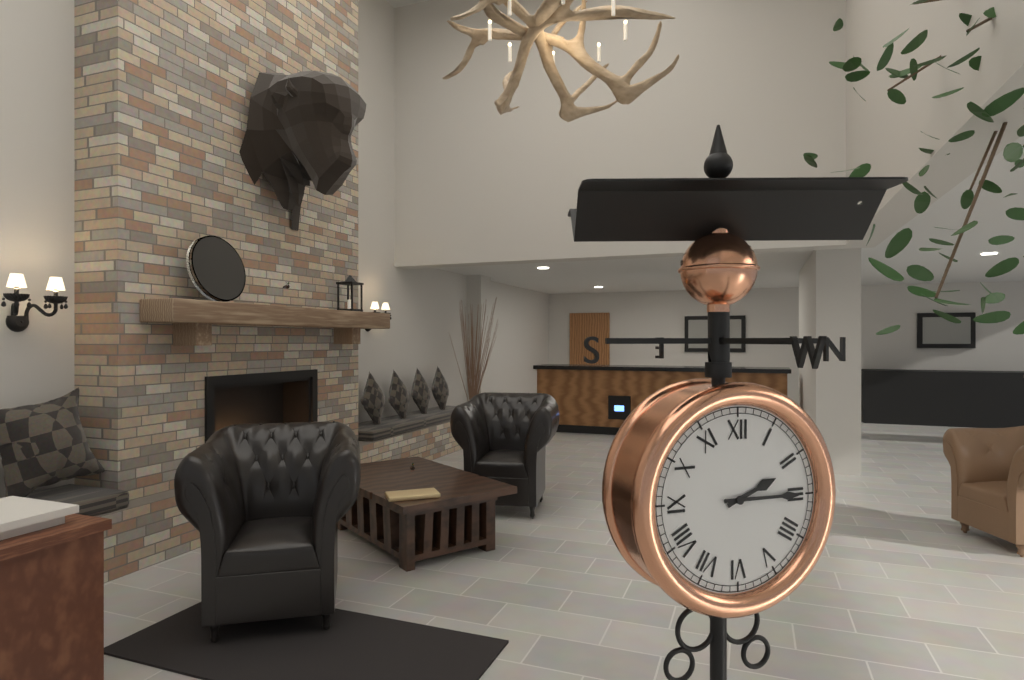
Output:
**2:15**
